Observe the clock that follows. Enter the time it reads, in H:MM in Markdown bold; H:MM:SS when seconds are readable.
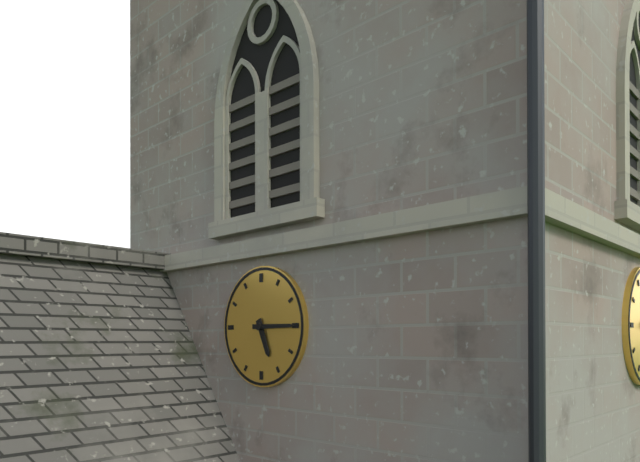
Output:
**5:15**
